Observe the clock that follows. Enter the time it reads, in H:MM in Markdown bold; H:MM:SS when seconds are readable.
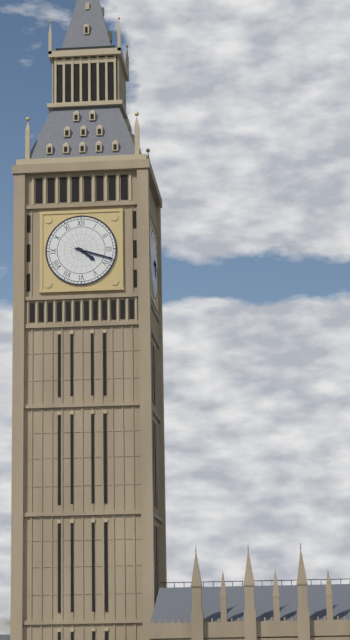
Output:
**4:18**
